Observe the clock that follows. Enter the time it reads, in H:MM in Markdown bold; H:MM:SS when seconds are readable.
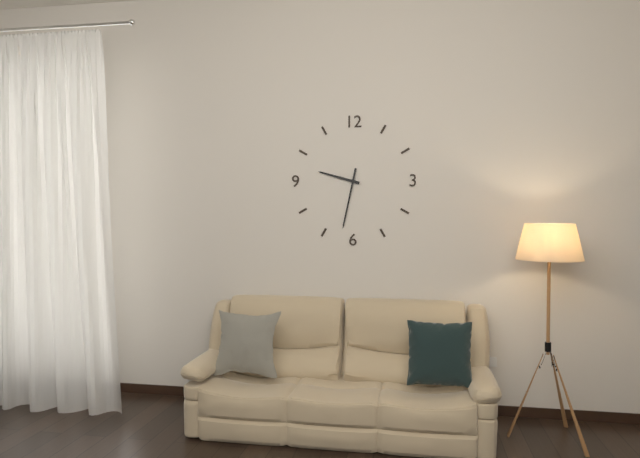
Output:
**9:32**
